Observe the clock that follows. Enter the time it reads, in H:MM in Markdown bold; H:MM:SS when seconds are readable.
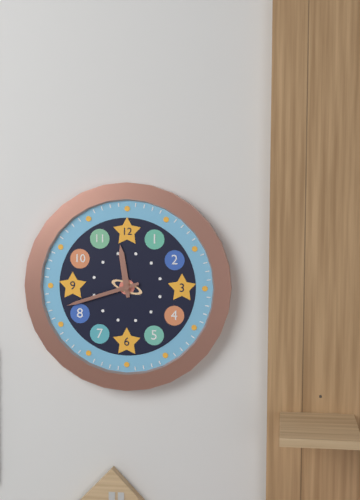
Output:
**11:42**
